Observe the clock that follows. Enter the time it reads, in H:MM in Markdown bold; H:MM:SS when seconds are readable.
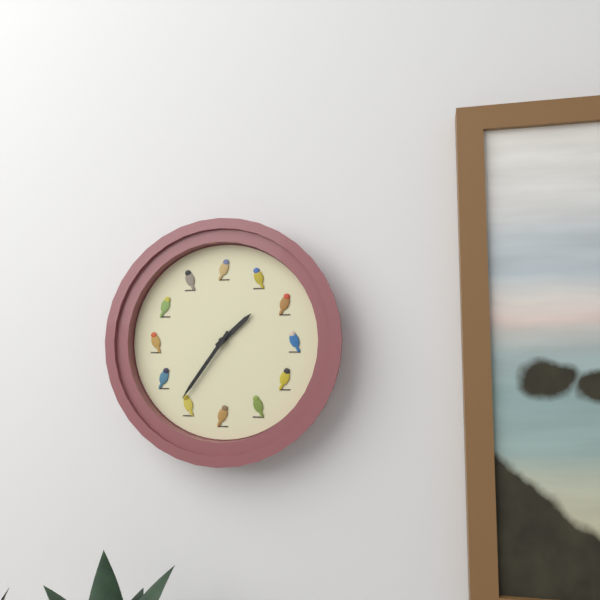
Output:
**1:36**
